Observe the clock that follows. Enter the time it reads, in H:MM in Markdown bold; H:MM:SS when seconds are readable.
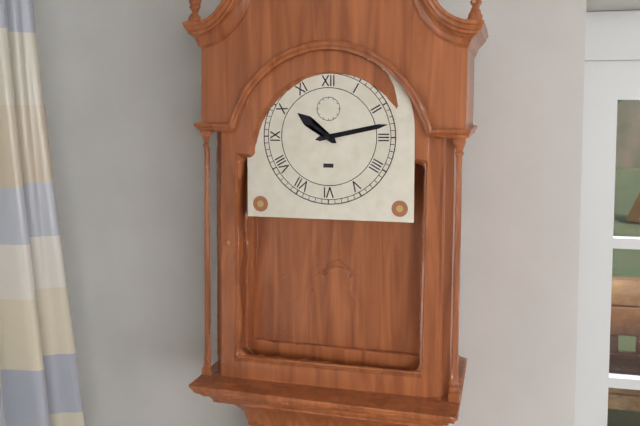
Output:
**10:13**
